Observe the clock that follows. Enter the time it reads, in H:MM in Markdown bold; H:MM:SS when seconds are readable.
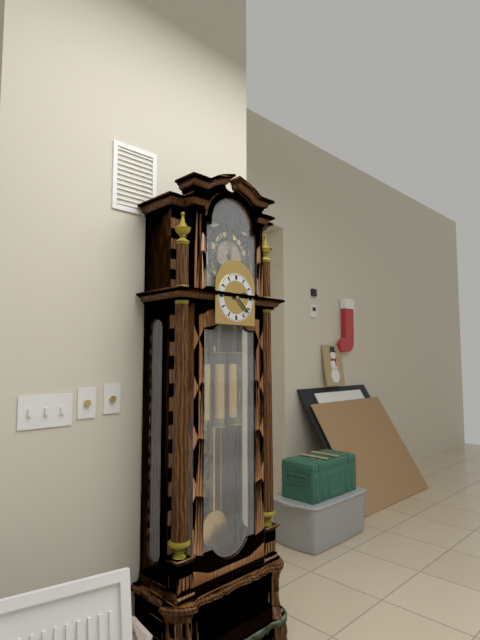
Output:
**2:22**
